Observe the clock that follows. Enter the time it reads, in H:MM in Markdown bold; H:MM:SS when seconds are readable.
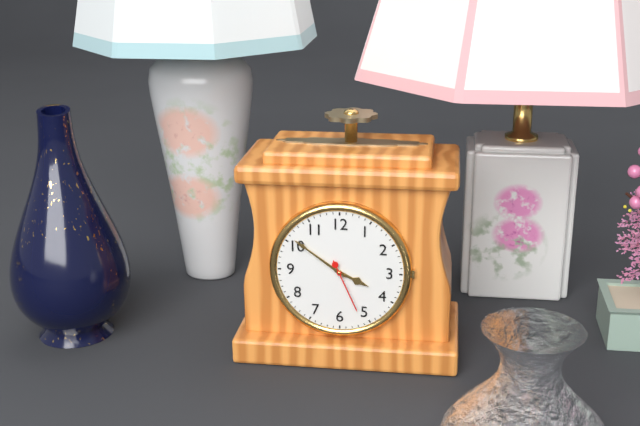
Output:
**3:51:26**
